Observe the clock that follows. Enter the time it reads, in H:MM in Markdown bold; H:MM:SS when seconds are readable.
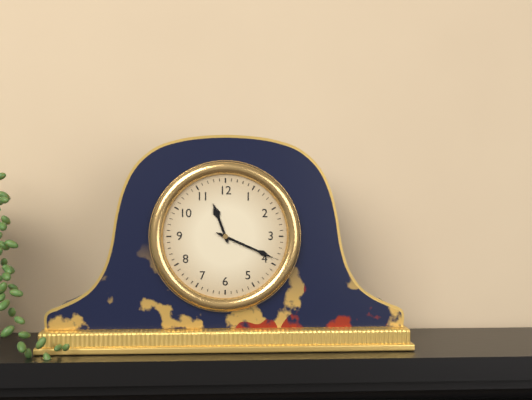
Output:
**11:19**
